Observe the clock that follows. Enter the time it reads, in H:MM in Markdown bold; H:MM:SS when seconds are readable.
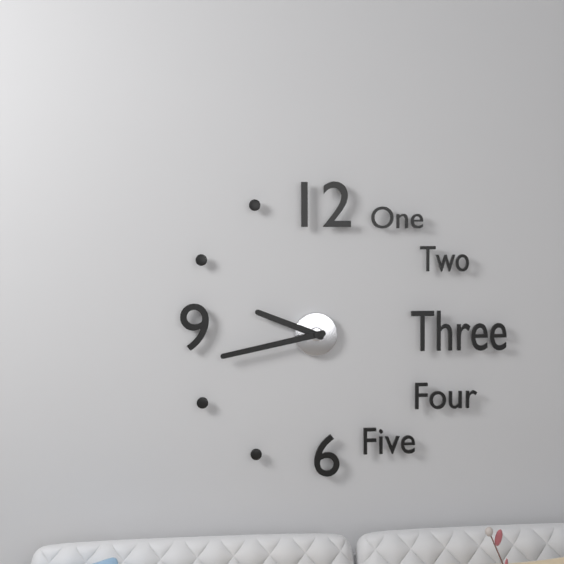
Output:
**9:43**
